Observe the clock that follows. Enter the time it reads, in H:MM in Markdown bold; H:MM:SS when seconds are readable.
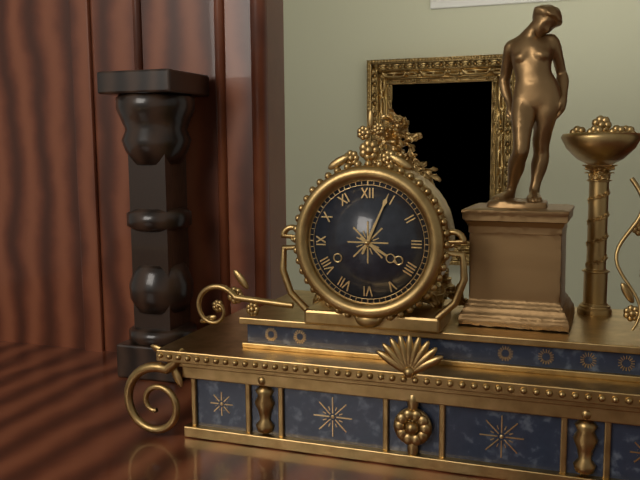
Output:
**4:04**
